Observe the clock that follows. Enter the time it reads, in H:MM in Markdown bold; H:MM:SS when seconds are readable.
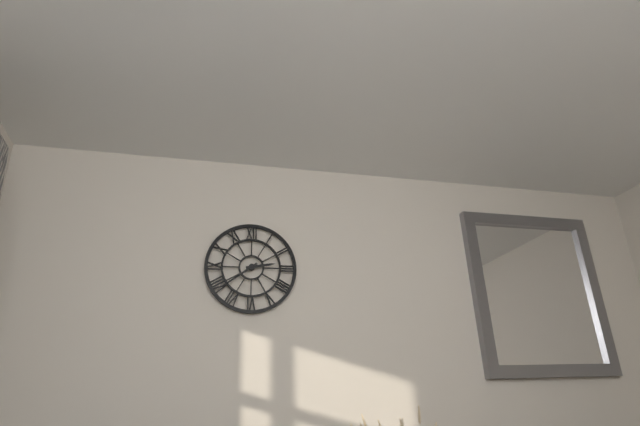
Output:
**2:39**
